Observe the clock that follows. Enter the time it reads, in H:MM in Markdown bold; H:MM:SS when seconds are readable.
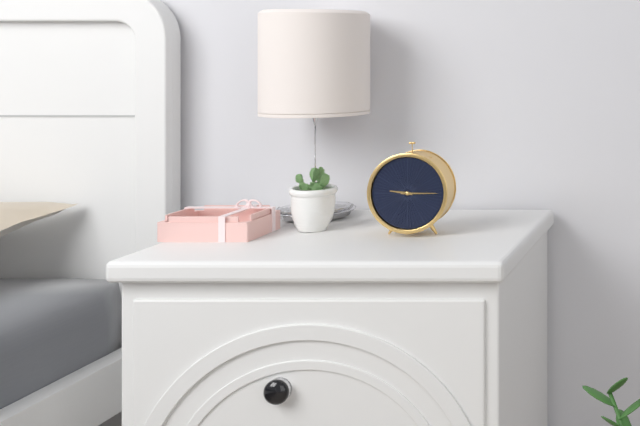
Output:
**9:15**
